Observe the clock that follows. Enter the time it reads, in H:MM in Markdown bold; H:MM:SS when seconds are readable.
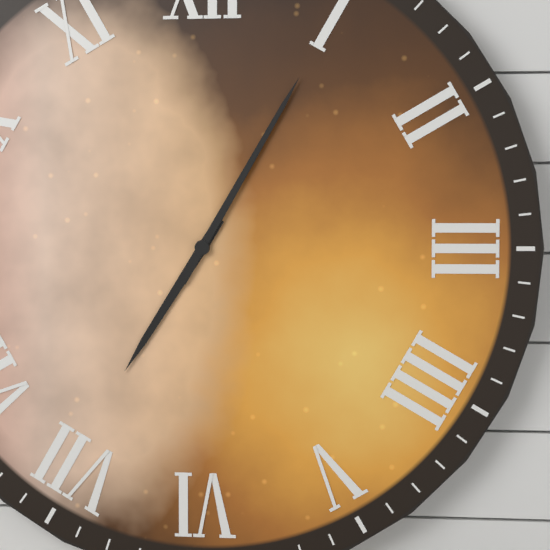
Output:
**7:05**
